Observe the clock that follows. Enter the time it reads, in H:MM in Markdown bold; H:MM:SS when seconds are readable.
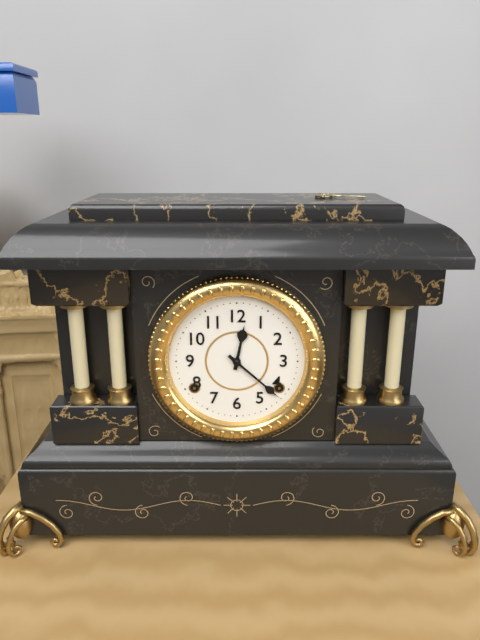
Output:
**12:22**
